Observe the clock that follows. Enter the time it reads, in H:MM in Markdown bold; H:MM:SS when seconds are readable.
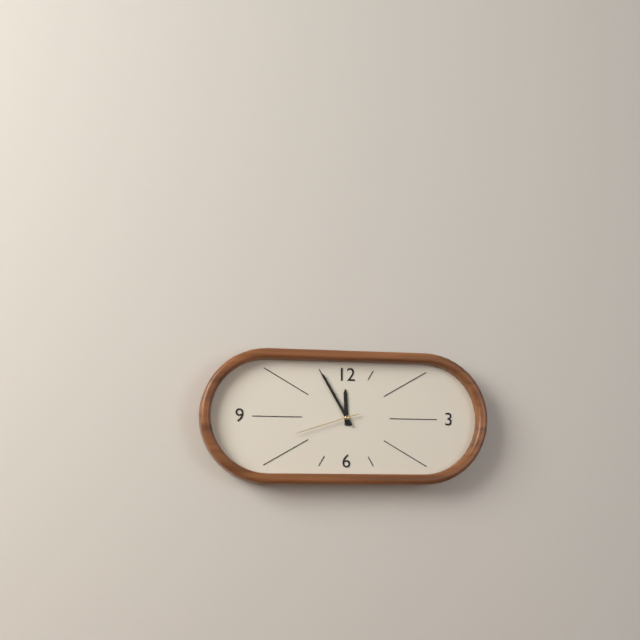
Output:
**11:55:42**
